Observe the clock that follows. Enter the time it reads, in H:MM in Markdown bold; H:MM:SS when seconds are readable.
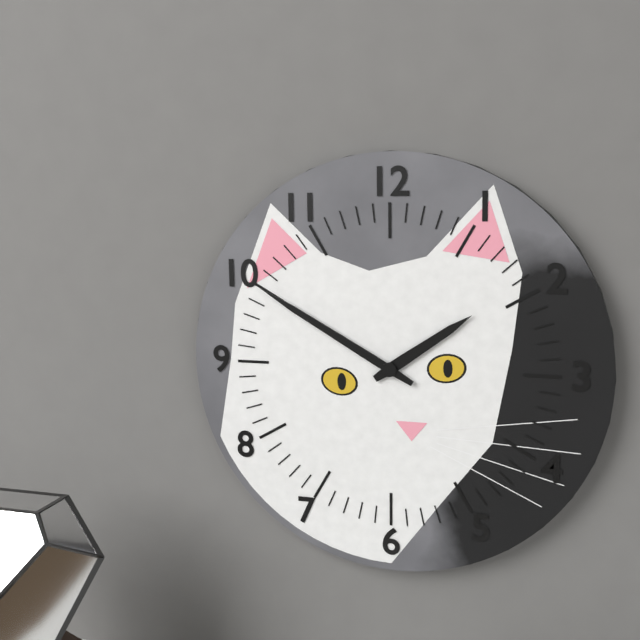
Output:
**1:50**
